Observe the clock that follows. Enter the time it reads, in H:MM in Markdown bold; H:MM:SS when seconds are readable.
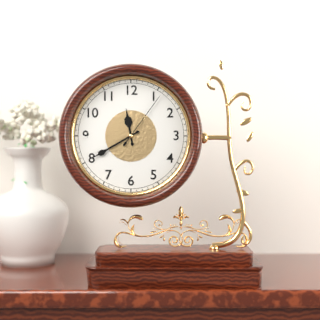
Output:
**11:40:06**
